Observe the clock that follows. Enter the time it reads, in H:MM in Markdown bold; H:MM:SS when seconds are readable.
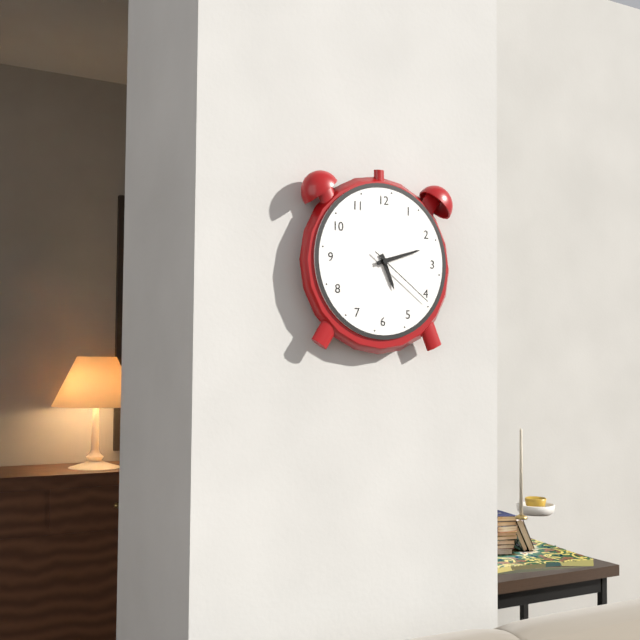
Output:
**5:12:21**
